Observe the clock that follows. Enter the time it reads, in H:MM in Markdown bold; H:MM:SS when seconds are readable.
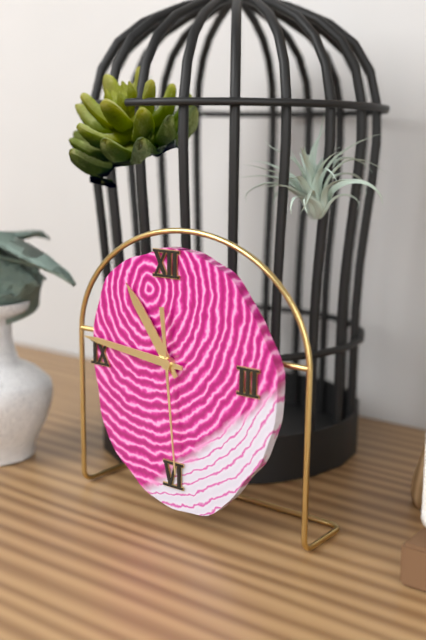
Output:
**10:46:29**
